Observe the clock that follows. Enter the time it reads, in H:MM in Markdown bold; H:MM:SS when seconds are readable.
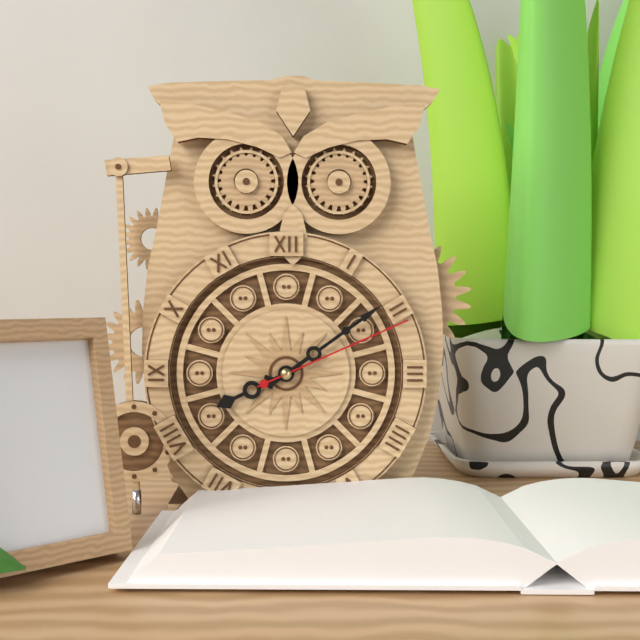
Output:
**8:09:11**
